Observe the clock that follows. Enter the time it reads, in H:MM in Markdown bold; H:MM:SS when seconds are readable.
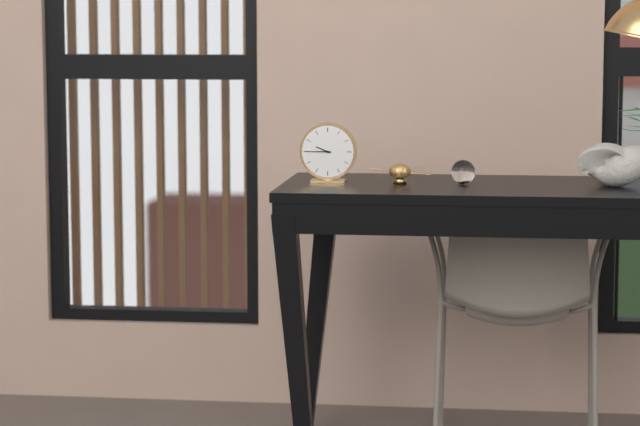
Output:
**9:45**
